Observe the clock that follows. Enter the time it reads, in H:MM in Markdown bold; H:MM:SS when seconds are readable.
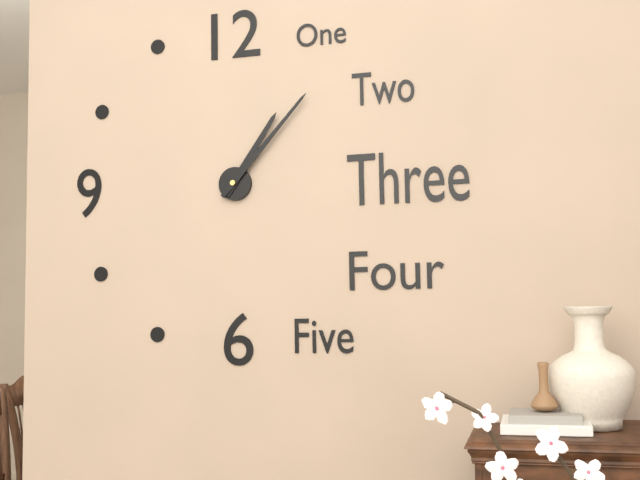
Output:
**1:07**
